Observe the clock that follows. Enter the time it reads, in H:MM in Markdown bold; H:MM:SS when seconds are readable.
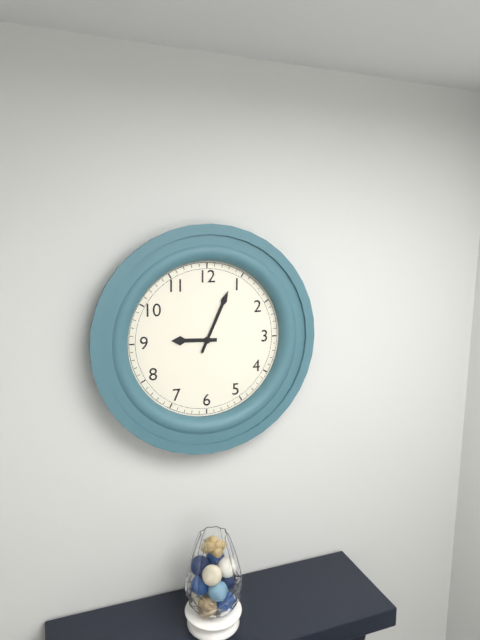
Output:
**9:04**
